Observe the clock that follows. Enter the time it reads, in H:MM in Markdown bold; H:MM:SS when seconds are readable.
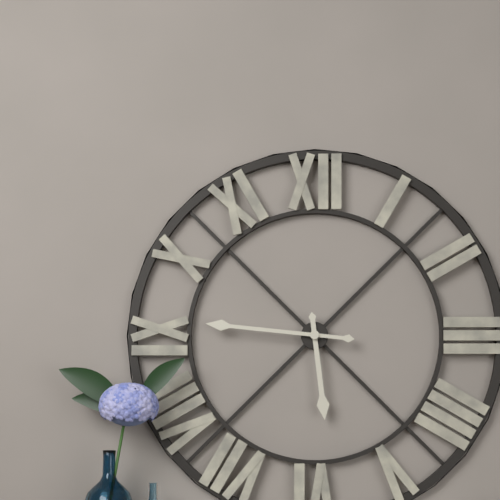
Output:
**5:46**
